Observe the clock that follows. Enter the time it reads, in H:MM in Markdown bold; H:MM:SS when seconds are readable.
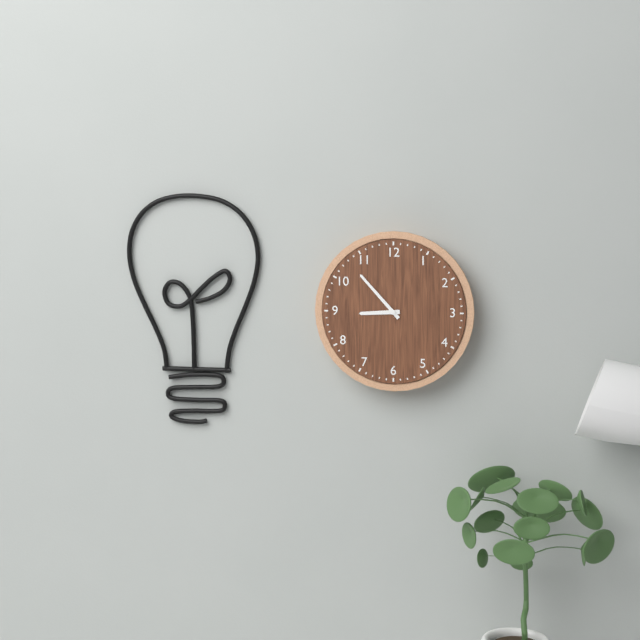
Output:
**8:53**
